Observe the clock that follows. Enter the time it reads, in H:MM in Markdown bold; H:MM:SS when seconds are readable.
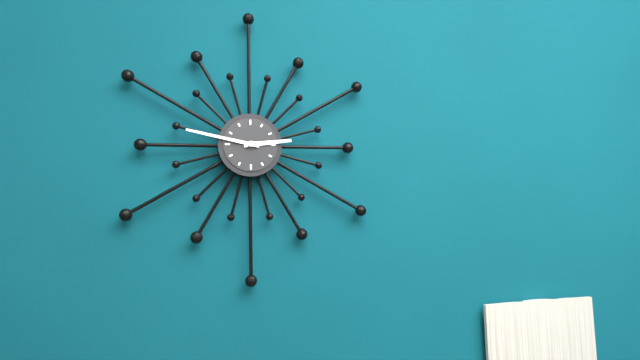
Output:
**2:47**
